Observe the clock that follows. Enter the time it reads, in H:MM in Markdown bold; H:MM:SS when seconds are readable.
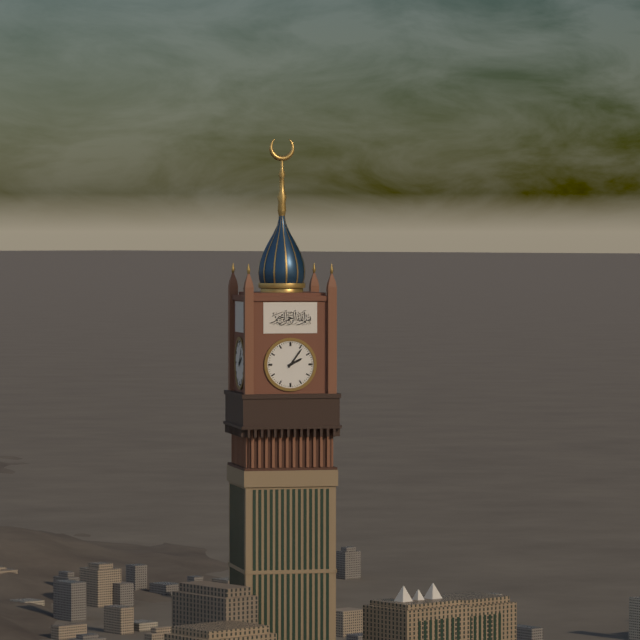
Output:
**2:06**
